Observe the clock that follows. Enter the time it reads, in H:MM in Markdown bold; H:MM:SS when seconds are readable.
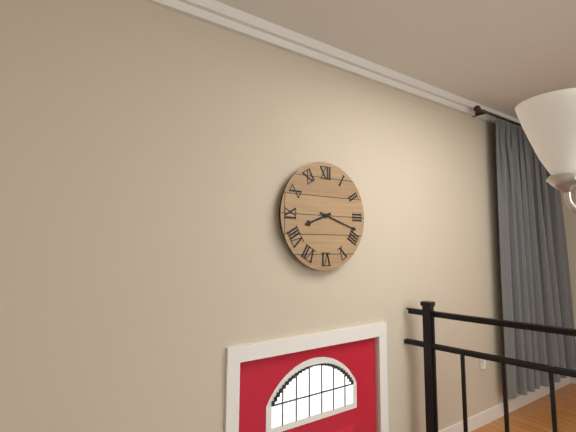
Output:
**8:18**
